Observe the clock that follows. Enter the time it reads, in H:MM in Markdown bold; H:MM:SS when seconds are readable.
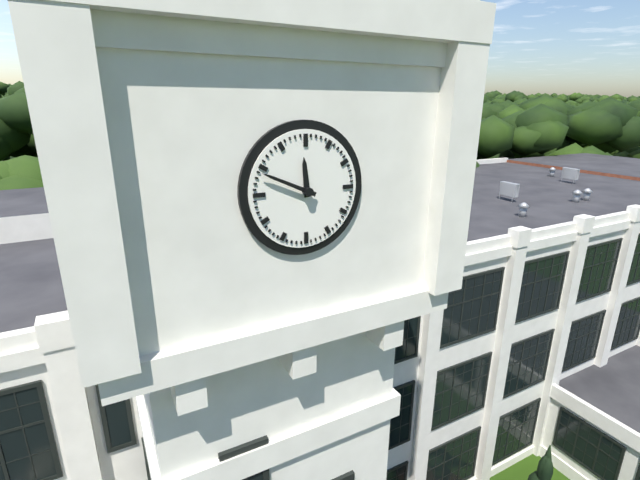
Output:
**11:49**
